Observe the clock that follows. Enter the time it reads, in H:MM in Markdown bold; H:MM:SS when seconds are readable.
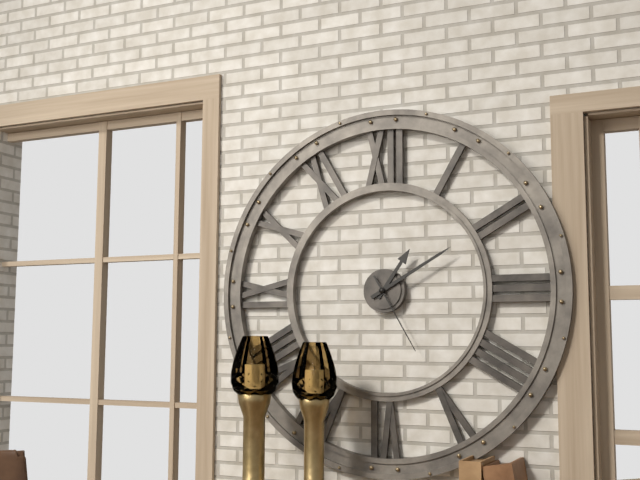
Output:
**1:10:25**
